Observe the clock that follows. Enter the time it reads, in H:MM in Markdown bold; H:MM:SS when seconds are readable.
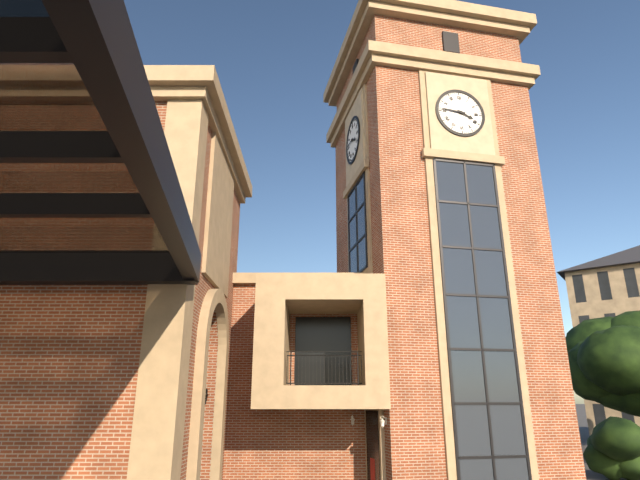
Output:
**3:46**
